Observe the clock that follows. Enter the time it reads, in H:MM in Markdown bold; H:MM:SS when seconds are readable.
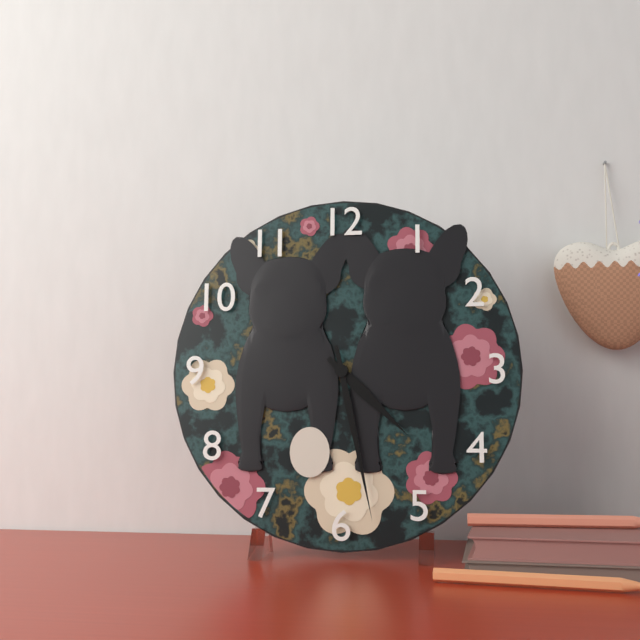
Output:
**4:28**
